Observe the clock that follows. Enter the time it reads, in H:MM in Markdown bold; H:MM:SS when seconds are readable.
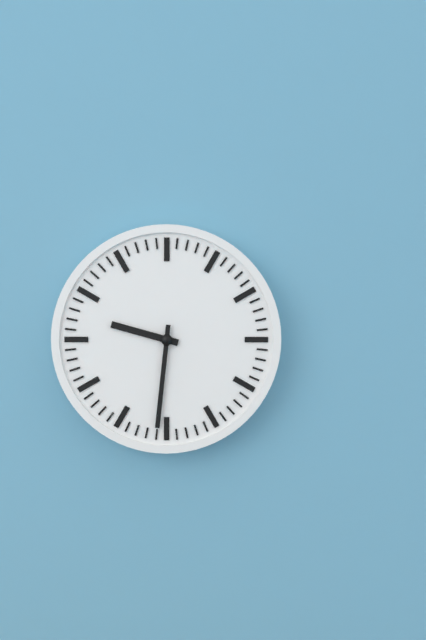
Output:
**9:31**
